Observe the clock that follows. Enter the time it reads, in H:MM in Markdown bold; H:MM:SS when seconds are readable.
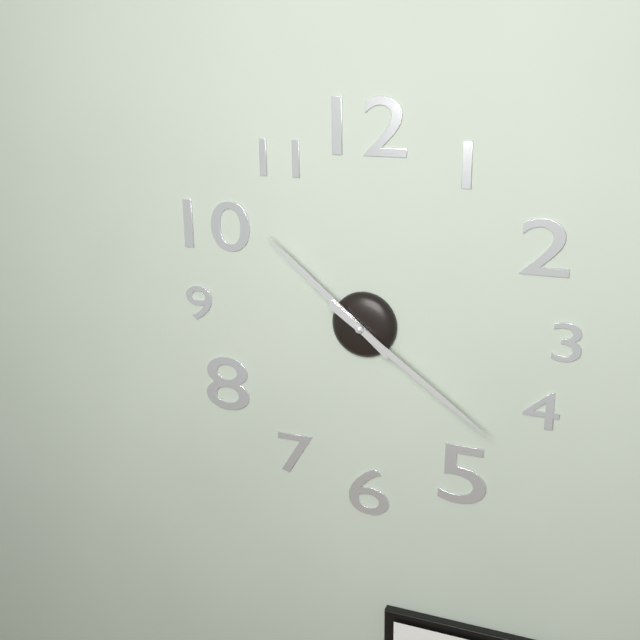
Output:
**10:21**
